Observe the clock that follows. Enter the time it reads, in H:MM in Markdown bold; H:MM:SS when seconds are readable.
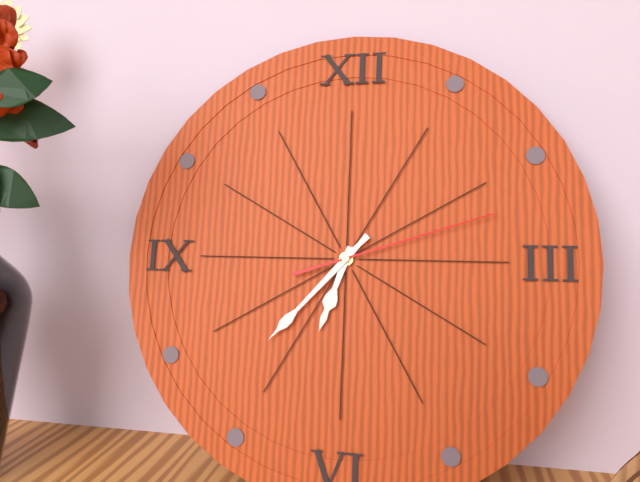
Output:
**6:37:12**
